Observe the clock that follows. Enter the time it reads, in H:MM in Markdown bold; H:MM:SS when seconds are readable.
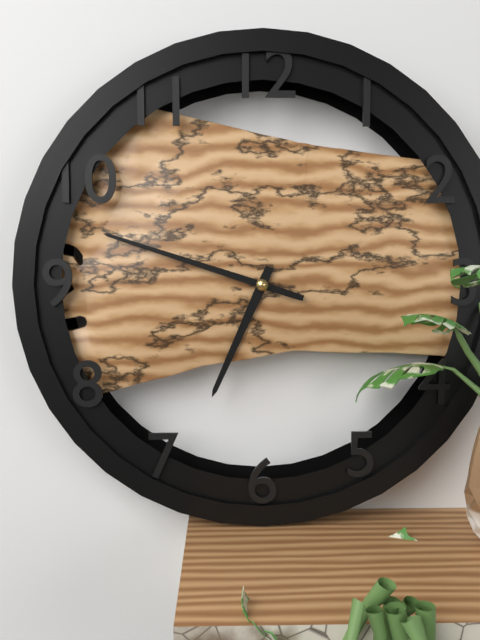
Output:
**6:48**
